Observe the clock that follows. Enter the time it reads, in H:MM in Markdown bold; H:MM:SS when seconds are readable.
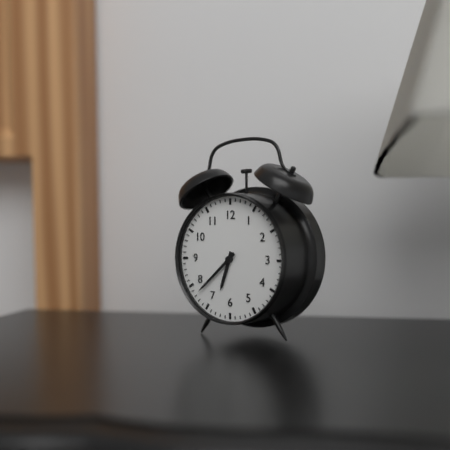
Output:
**6:38**
